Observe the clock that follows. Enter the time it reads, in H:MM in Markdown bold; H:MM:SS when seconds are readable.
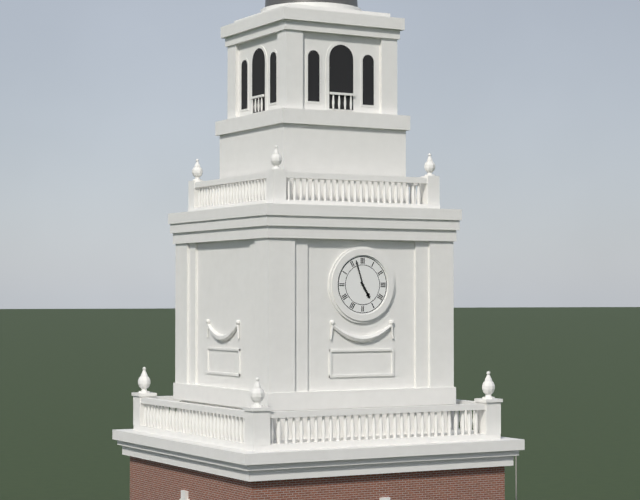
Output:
**4:57**
